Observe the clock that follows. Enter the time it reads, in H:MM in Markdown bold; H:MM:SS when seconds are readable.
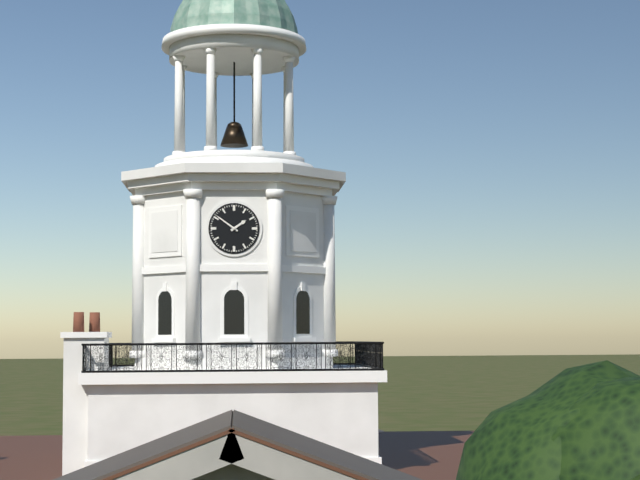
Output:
**1:51**
